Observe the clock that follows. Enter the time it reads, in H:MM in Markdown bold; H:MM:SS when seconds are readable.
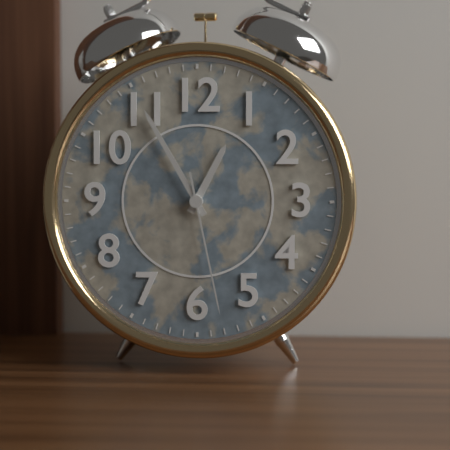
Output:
**12:55:28**
